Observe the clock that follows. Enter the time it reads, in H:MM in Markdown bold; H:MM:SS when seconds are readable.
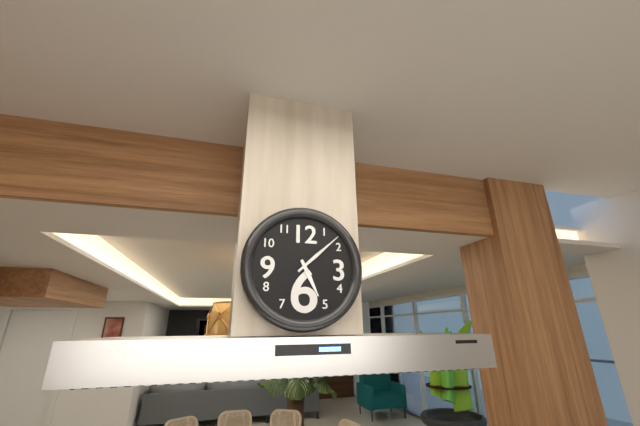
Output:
**5:08**
